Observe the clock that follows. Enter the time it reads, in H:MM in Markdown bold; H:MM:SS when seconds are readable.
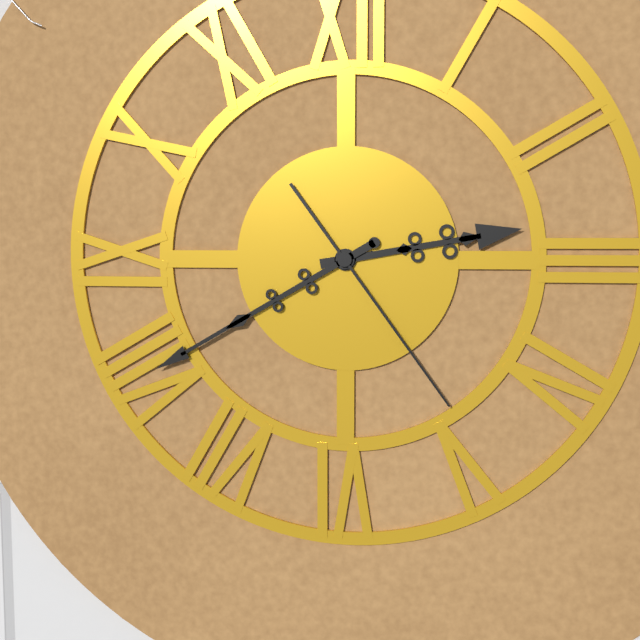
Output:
**2:40:24**
